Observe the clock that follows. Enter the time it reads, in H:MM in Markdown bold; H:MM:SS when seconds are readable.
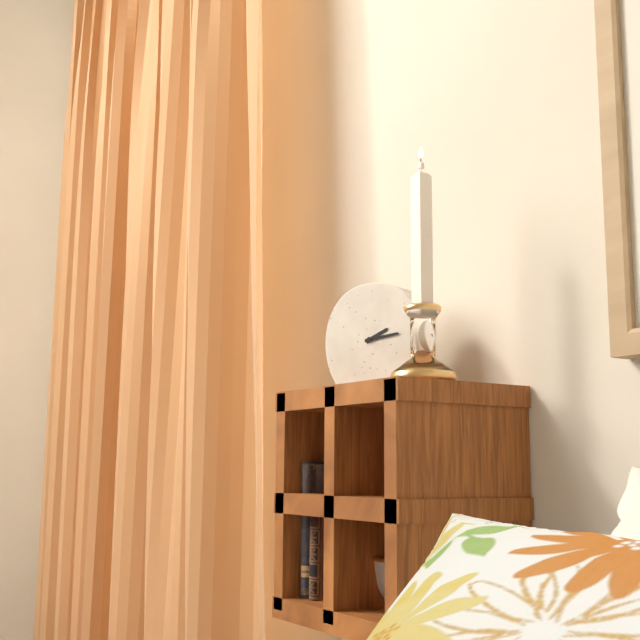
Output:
**2:14**
